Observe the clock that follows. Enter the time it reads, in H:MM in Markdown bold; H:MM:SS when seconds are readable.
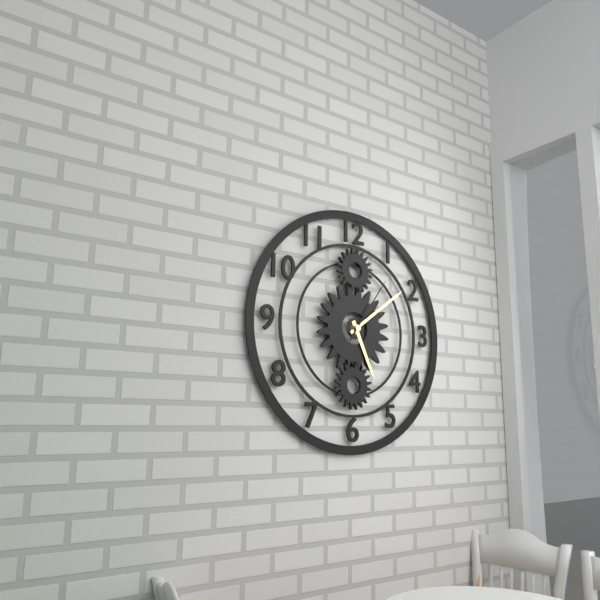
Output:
**5:09:06**
